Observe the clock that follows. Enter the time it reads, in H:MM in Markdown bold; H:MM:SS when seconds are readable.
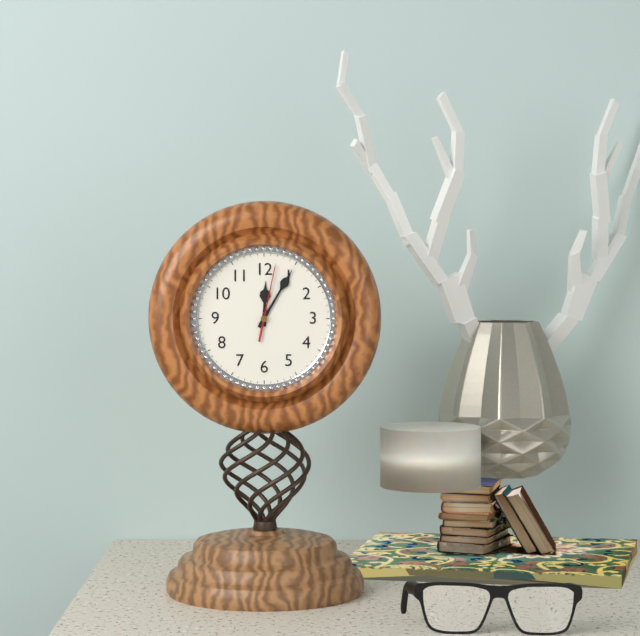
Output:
**12:05:02**
